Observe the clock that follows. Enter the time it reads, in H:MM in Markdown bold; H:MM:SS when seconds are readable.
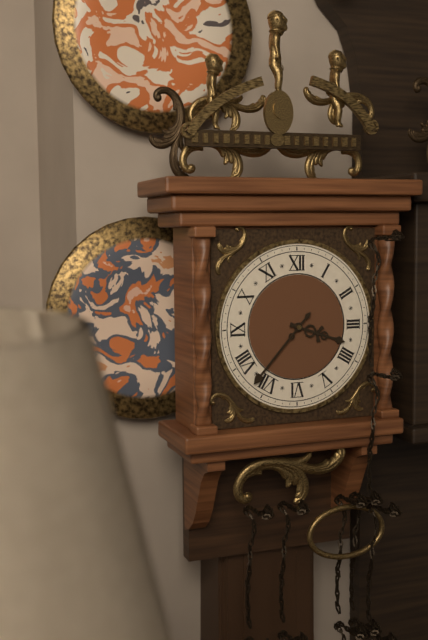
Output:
**3:37**
